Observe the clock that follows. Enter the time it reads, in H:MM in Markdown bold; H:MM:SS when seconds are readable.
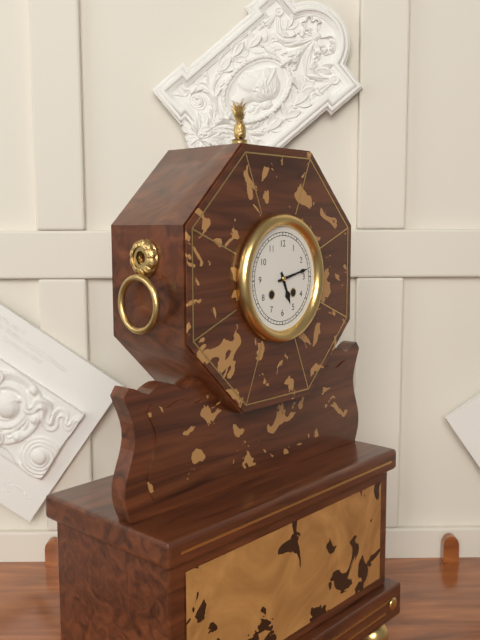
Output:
**5:13**
